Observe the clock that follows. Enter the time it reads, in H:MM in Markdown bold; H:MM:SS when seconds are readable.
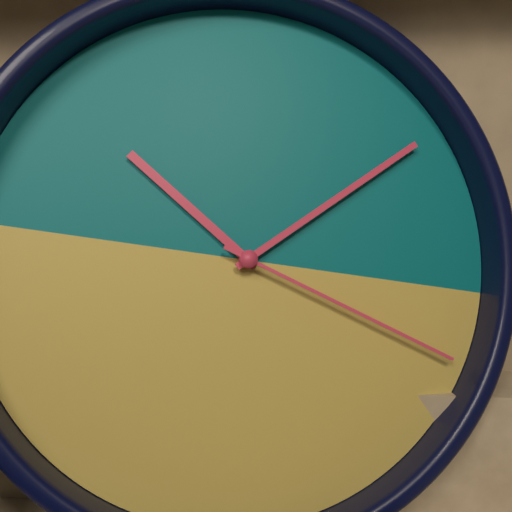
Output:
**10:08:18**
